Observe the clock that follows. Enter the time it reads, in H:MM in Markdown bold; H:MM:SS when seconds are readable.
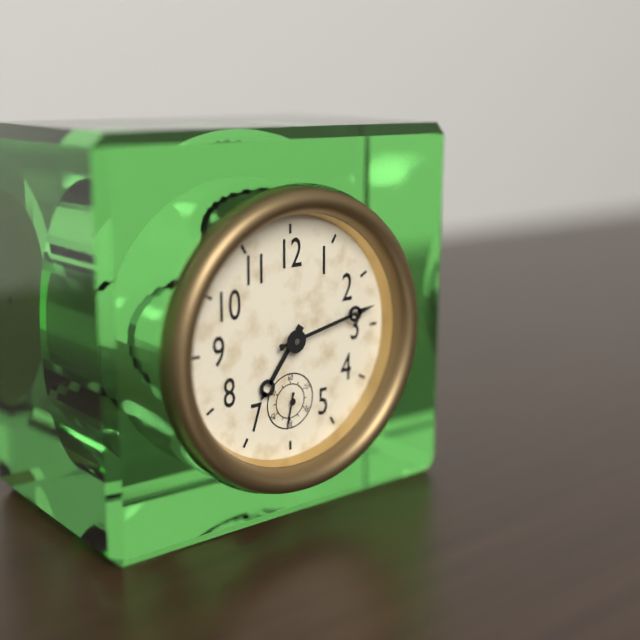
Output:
**7:13**
